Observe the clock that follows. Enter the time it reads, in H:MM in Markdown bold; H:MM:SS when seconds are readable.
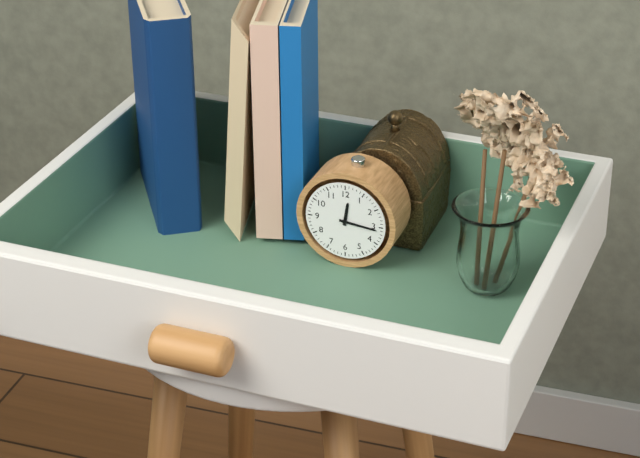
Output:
**12:16**
